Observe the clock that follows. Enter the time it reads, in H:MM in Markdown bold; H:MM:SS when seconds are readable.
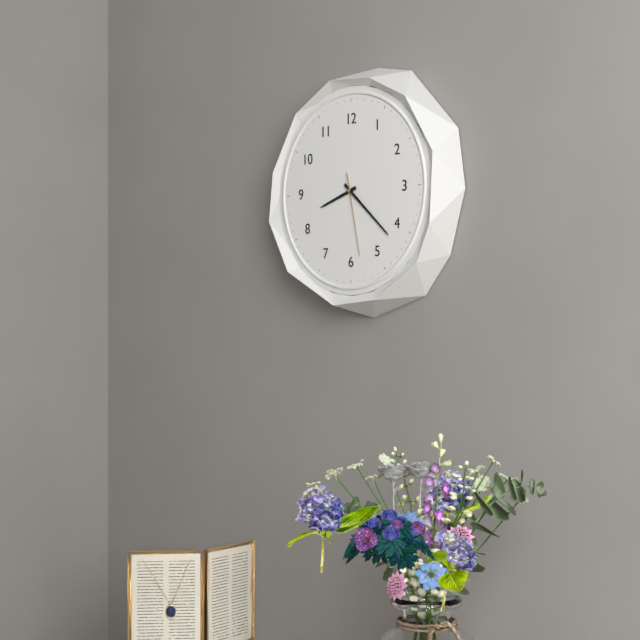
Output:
**8:22:28**
